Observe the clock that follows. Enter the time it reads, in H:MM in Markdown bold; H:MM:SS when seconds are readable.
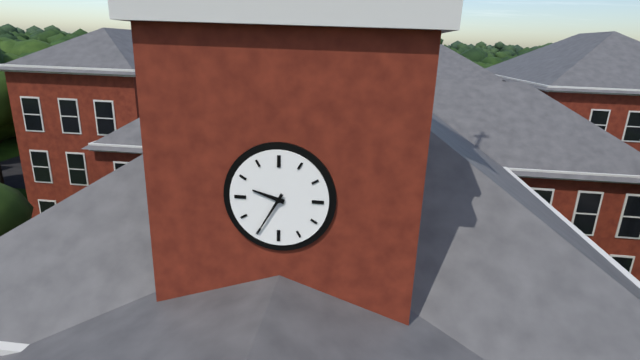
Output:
**9:35**
